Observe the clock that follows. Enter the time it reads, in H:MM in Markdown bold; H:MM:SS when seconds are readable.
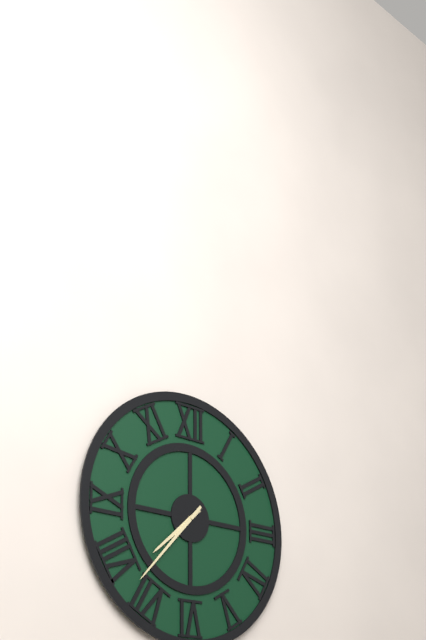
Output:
**7:37**
